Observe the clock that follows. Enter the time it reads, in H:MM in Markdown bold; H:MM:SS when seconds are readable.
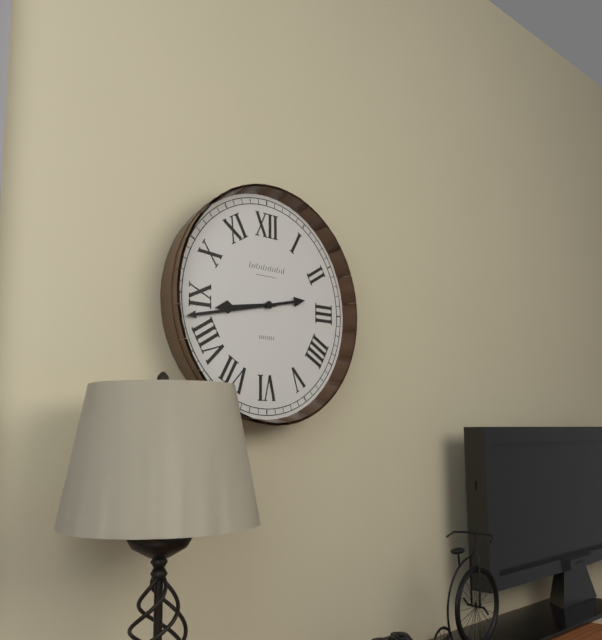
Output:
**8:43**
